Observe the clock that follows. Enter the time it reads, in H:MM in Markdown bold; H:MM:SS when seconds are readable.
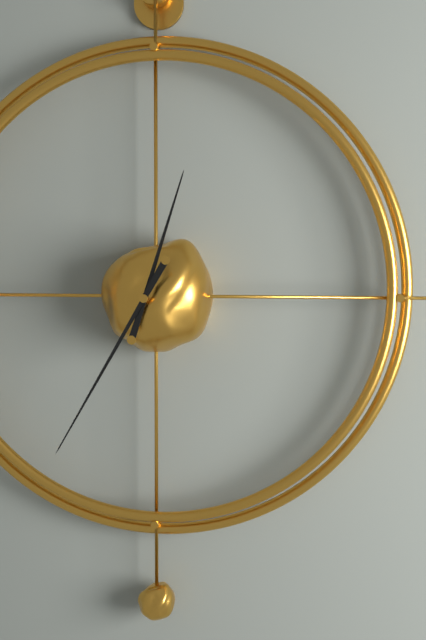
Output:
**12:35**
